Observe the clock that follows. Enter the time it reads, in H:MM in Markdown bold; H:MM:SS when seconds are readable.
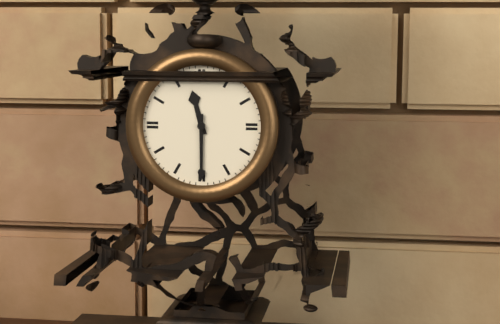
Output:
**11:30**
